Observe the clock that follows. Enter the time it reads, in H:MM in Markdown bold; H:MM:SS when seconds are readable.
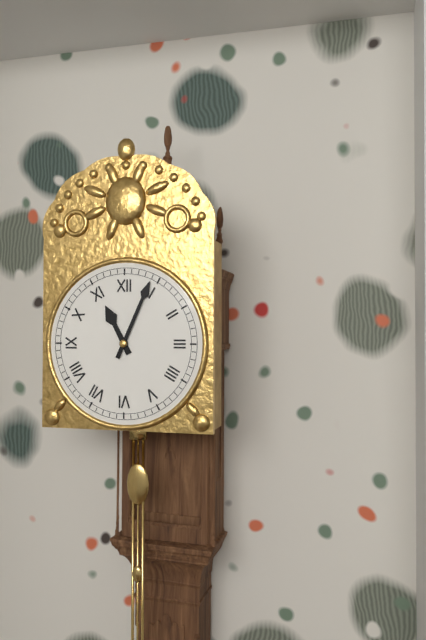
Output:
**11:04**
